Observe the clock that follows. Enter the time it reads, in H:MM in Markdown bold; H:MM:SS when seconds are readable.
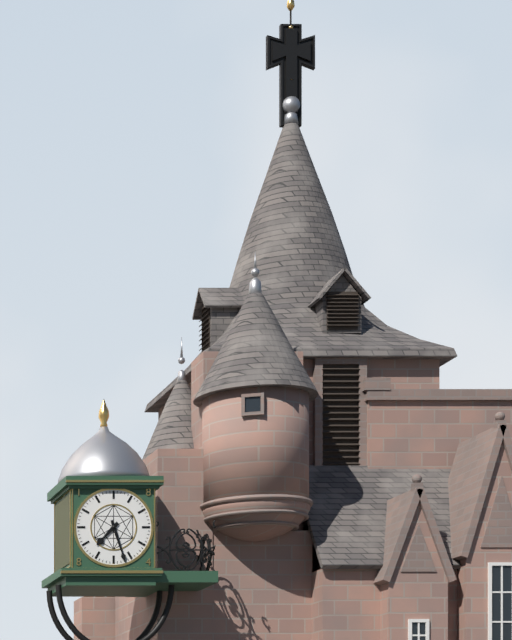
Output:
**7:27**
